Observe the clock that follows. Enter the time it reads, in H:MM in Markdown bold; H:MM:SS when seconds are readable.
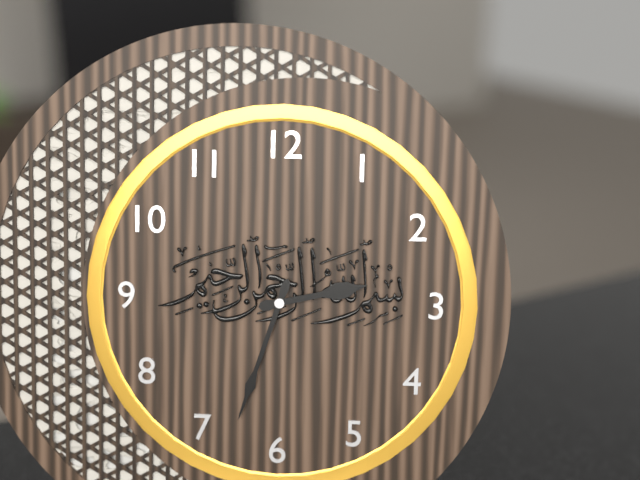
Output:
**2:33**
